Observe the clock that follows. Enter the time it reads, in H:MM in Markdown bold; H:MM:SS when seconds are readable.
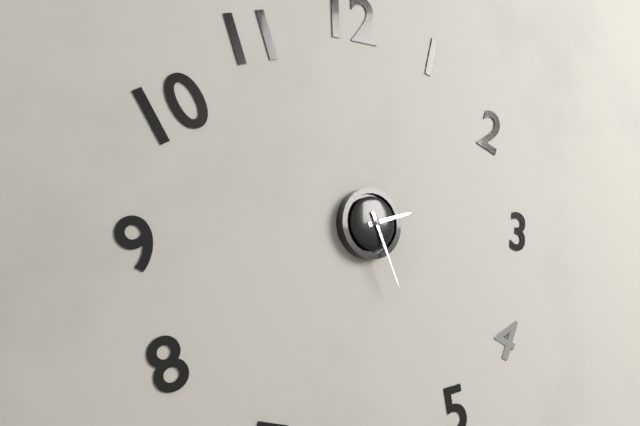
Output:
**2:26**
